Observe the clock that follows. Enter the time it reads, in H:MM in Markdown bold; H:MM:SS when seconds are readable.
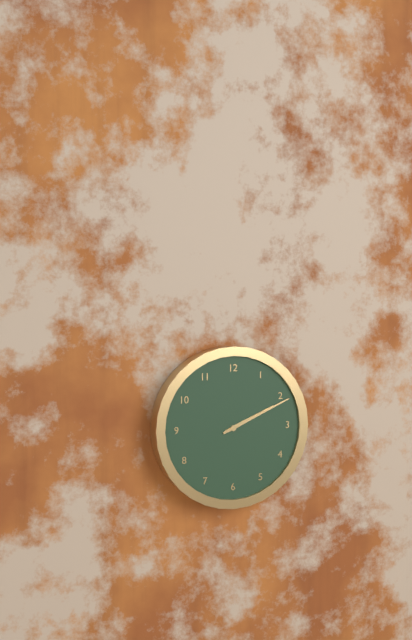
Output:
**2:11**
